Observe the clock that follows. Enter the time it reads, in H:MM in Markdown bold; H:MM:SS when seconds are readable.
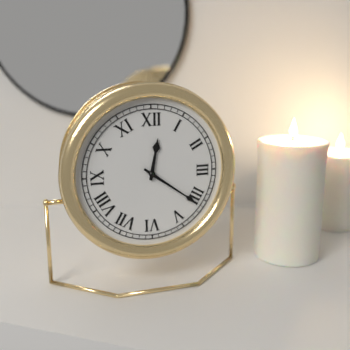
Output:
**12:21**
